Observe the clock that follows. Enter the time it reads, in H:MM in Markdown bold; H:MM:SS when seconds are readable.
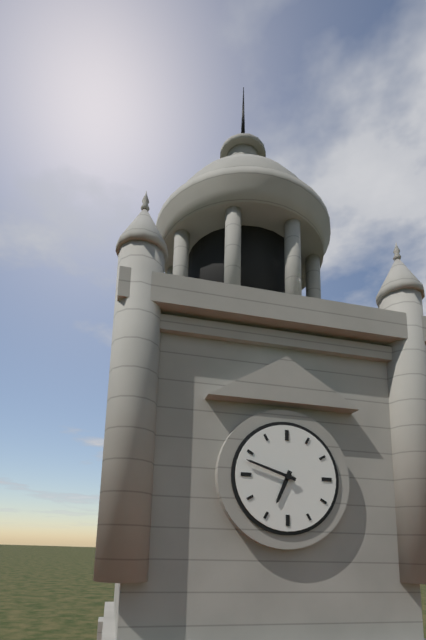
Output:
**6:48**
